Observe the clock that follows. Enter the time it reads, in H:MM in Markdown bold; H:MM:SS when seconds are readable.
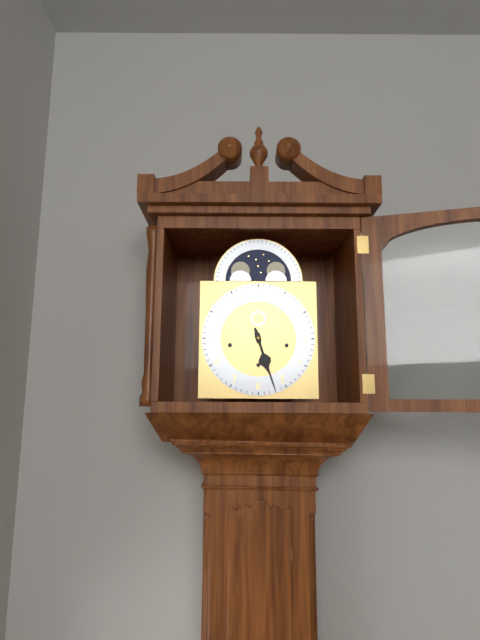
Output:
**5:27**
